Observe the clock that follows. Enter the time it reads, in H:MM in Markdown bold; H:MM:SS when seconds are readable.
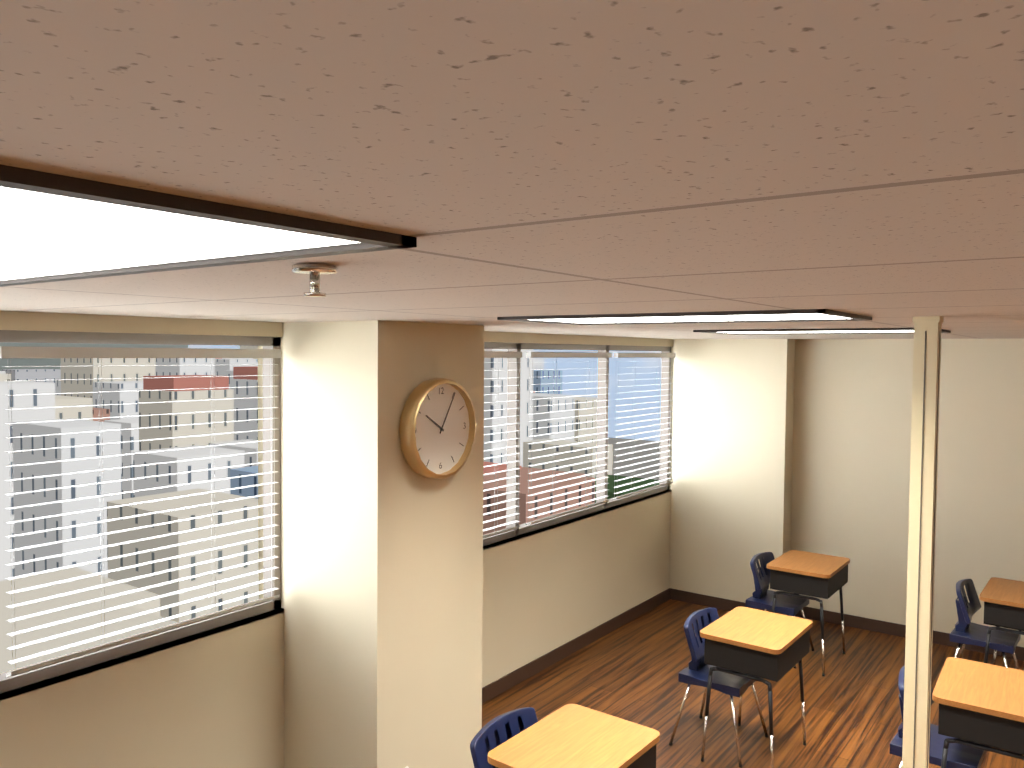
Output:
**10:05**
